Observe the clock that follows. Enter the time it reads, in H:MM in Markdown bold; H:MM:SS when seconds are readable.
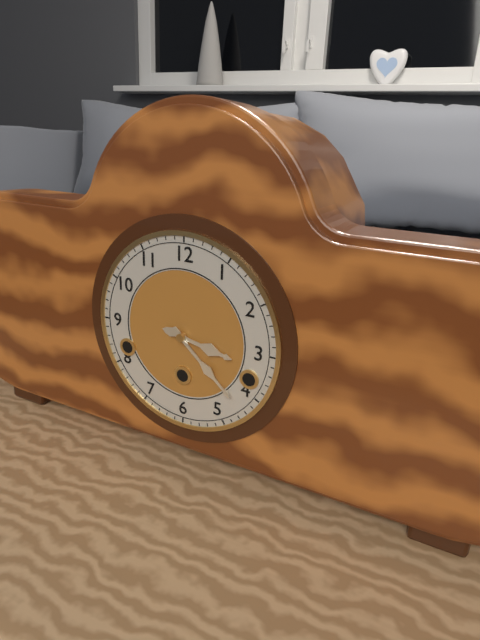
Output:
**3:22**
